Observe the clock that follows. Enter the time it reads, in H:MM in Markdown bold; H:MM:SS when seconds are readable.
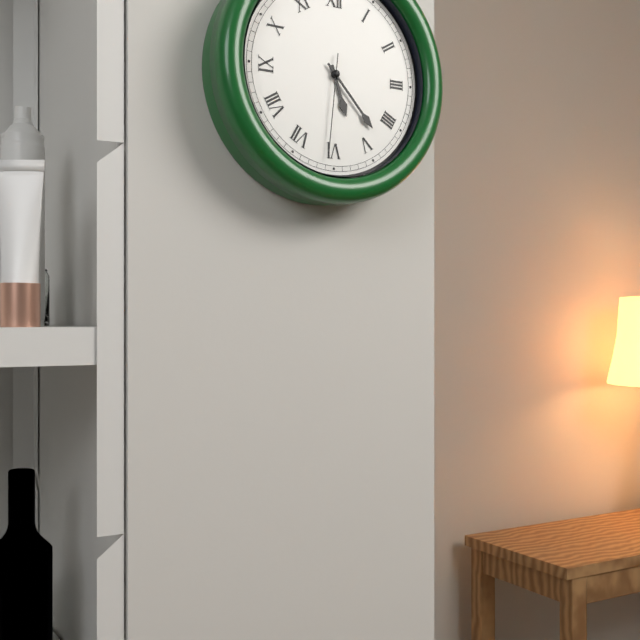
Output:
**5:23:31**
